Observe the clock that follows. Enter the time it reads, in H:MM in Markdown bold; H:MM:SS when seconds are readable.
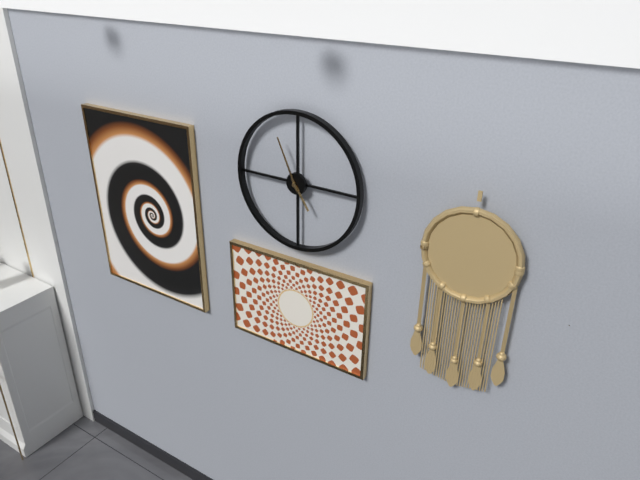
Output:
**4:56**
